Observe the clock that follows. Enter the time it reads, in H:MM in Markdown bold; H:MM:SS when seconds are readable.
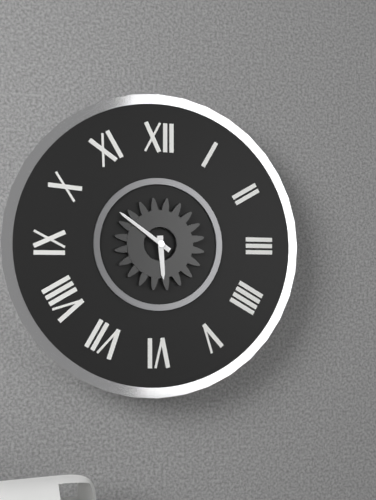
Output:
**5:51**
